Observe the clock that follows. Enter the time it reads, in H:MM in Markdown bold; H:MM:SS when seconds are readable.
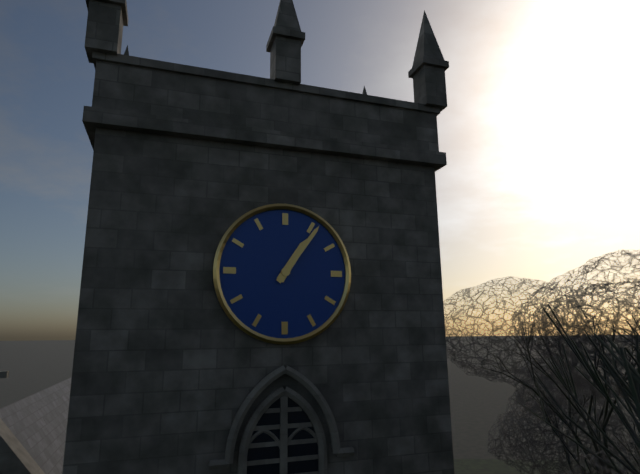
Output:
**1:06**
